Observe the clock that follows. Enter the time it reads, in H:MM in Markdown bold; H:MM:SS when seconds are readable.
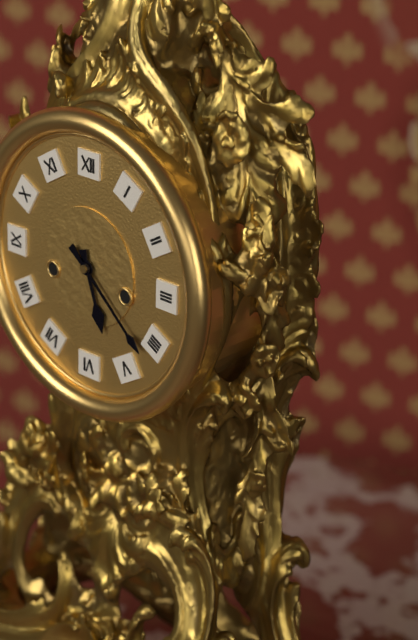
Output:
**5:22**
